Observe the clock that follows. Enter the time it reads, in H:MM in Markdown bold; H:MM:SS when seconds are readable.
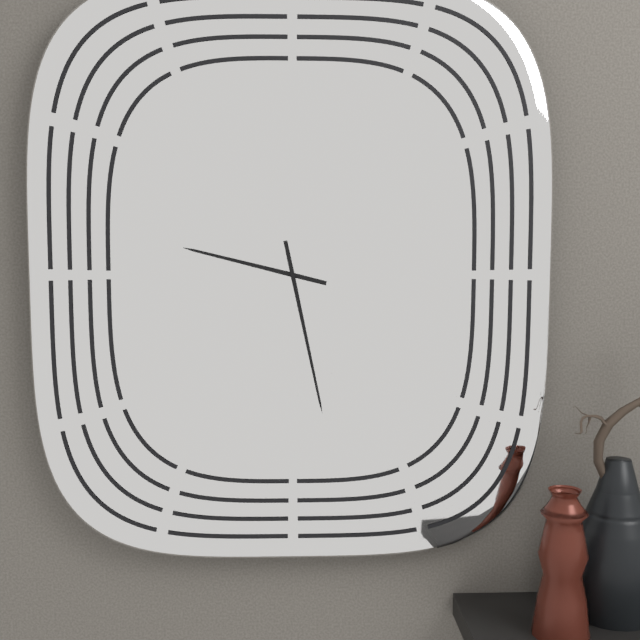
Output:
**9:28**
